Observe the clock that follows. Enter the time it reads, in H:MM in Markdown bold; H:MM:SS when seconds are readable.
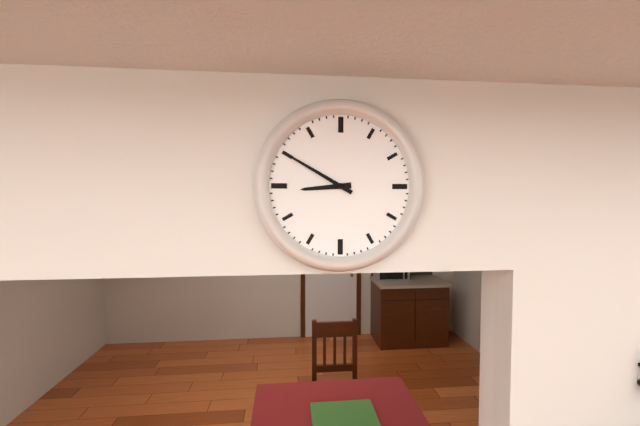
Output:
**8:50**
